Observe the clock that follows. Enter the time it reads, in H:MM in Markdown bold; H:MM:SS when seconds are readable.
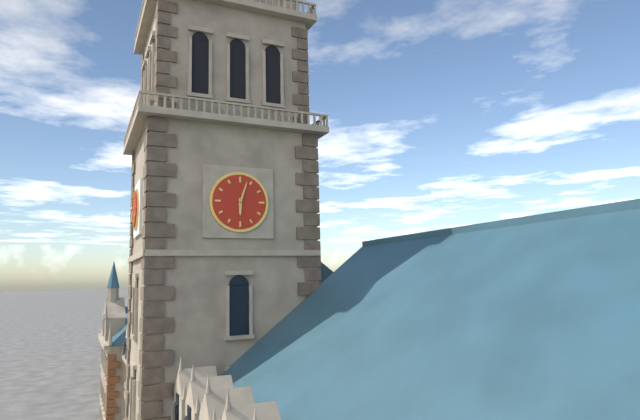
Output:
**6:03**
